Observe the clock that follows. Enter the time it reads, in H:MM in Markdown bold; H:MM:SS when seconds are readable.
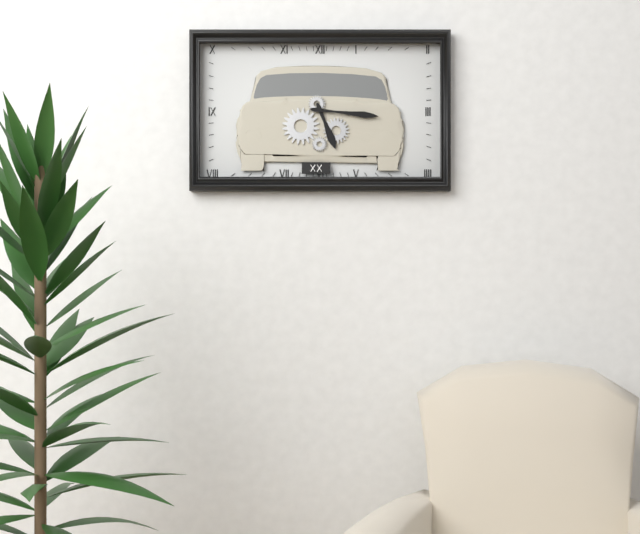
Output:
**5:16**
